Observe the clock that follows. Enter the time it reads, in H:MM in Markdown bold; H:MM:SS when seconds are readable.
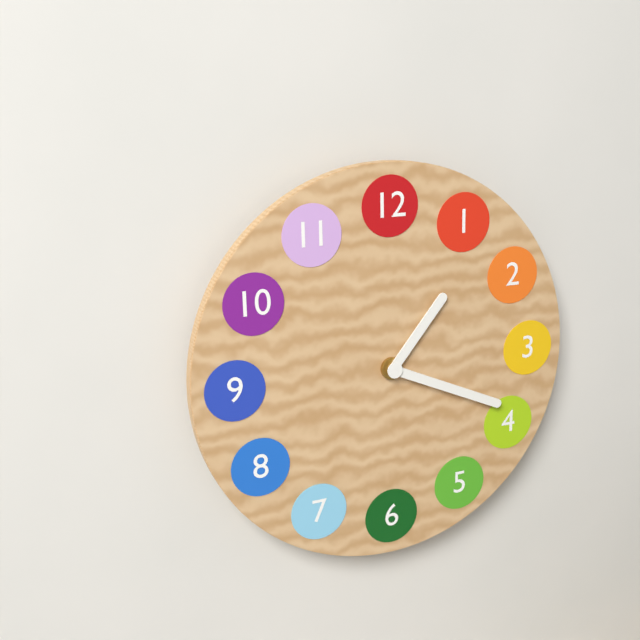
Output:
**1:19**
